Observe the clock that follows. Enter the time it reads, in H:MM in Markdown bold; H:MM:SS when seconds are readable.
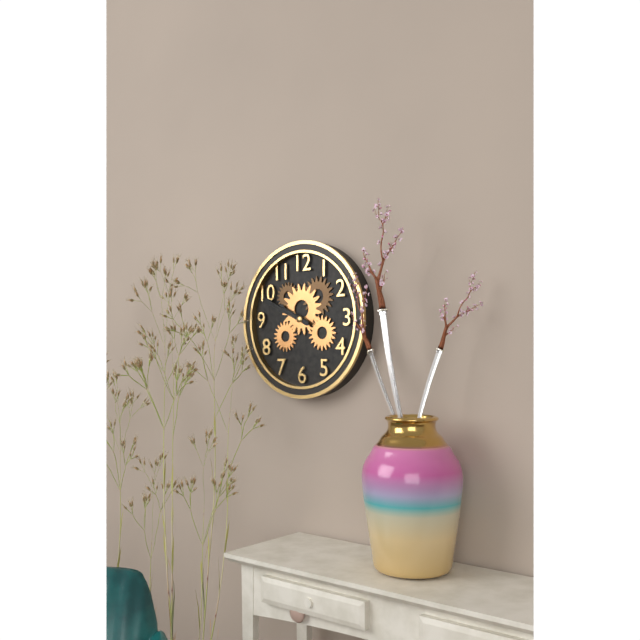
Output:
**9:49**
